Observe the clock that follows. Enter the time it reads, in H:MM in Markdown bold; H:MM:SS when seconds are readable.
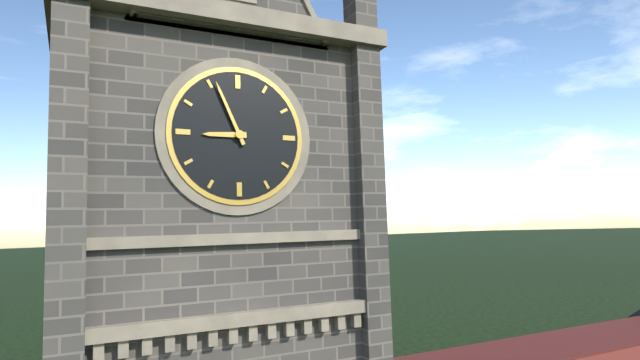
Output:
**8:56**
